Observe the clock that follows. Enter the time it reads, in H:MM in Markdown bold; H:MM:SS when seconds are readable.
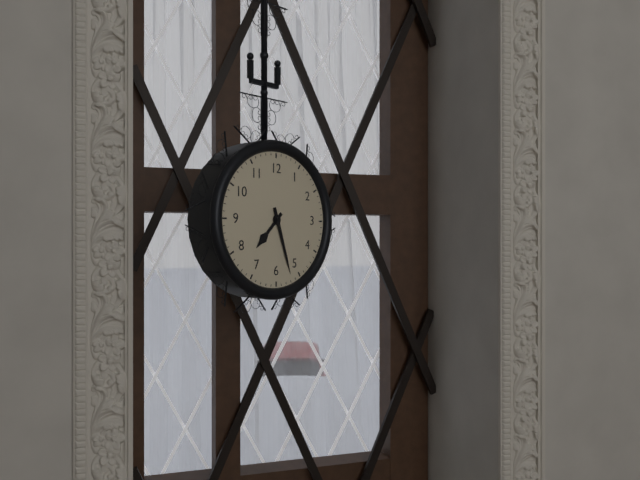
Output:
**7:27**
